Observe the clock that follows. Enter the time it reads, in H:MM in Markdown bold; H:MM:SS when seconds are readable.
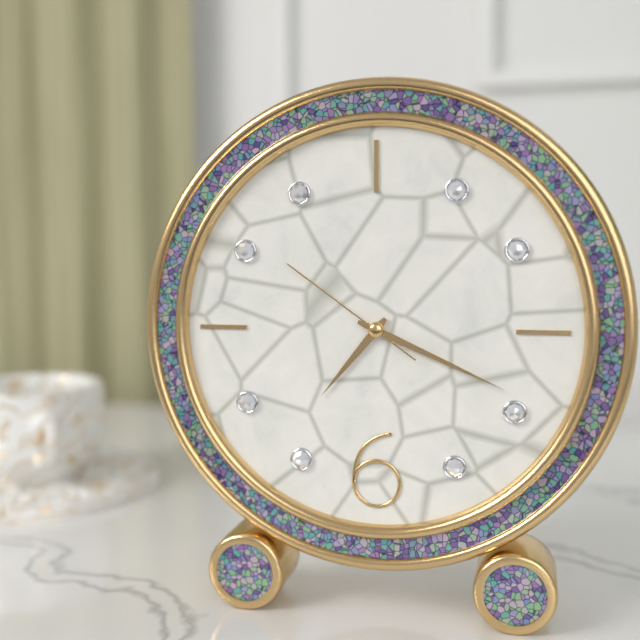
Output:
**7:19:51**
